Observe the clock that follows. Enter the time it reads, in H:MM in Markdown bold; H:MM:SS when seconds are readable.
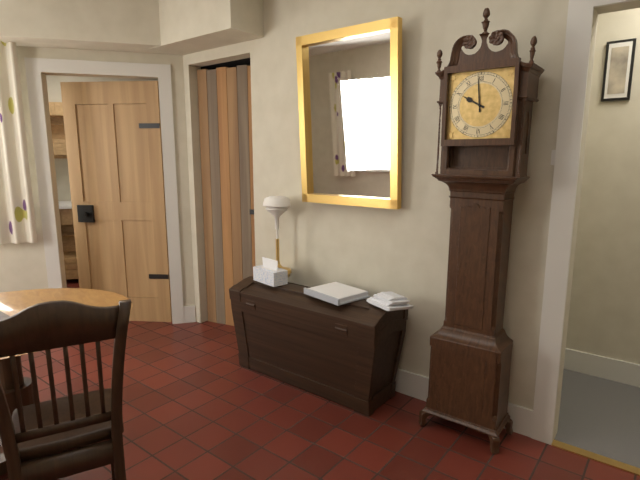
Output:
**9:59**
